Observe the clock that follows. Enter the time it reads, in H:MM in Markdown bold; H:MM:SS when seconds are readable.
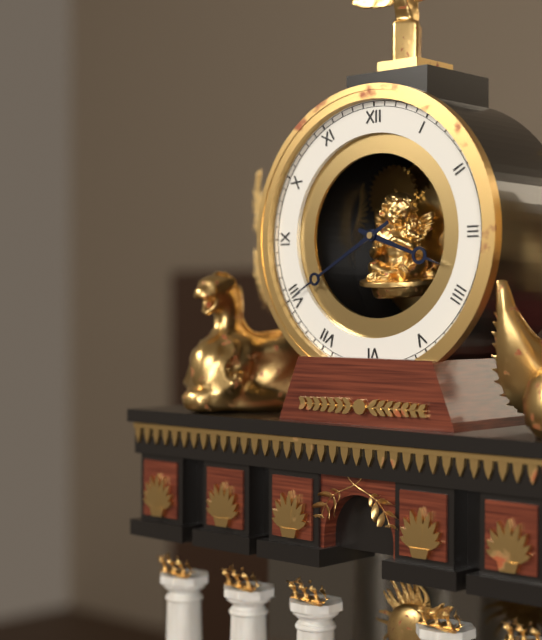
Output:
**3:40**
